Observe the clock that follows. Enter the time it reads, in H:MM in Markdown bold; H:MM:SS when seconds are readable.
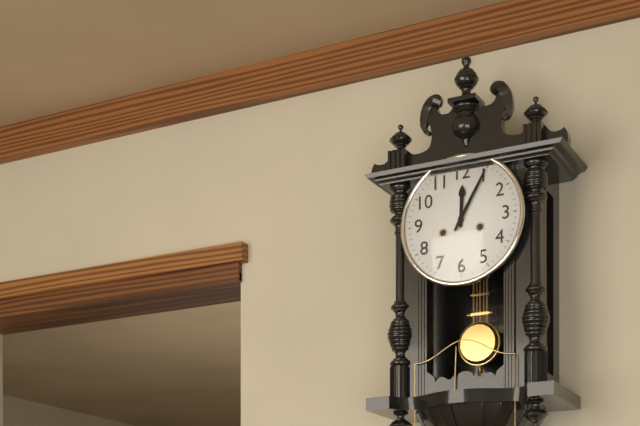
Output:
**12:05**
